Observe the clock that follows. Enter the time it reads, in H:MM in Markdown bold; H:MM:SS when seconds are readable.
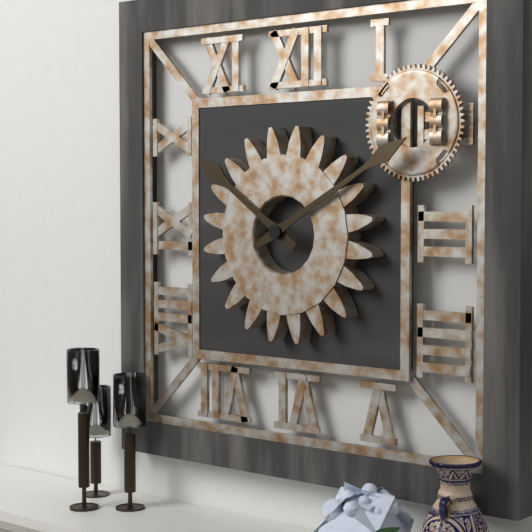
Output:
**10:10**
